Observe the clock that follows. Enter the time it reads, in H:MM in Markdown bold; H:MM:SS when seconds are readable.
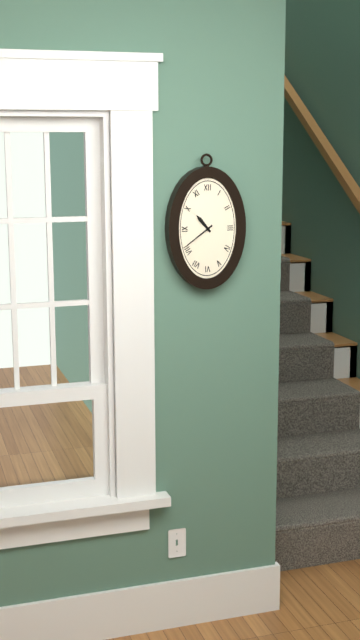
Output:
**10:39**
